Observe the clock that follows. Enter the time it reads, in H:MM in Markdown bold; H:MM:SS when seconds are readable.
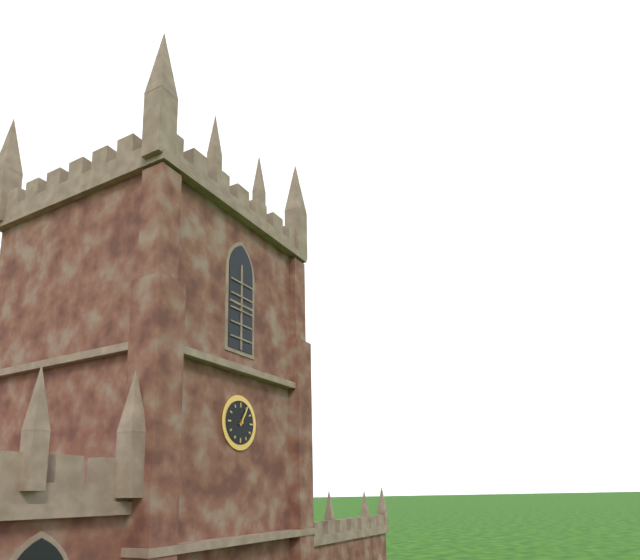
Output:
**1:05**
